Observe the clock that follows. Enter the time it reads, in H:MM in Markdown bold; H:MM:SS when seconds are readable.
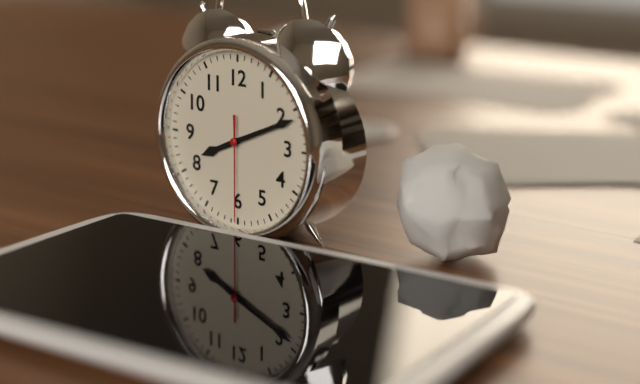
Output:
**8:11:30**
